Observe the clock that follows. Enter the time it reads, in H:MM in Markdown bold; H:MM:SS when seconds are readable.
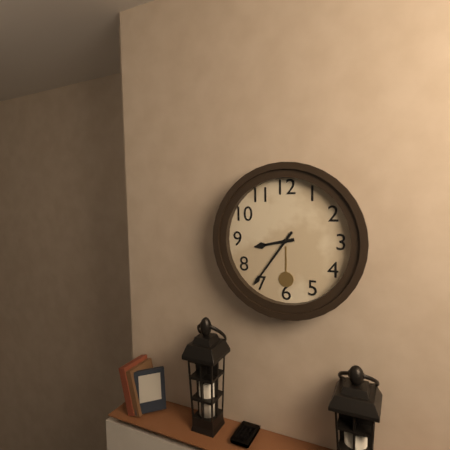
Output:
**8:36**
